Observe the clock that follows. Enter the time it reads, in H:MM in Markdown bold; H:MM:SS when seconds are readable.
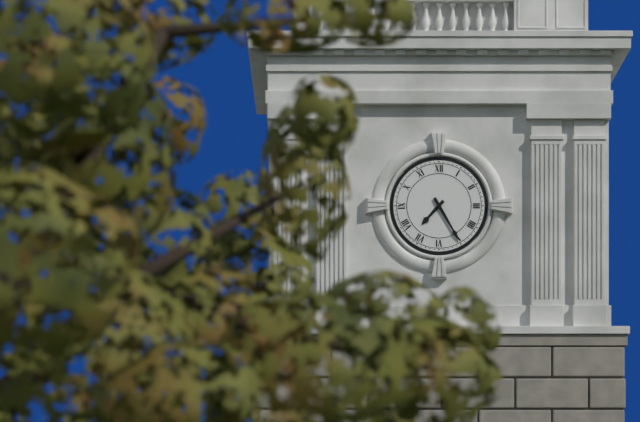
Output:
**7:25**
